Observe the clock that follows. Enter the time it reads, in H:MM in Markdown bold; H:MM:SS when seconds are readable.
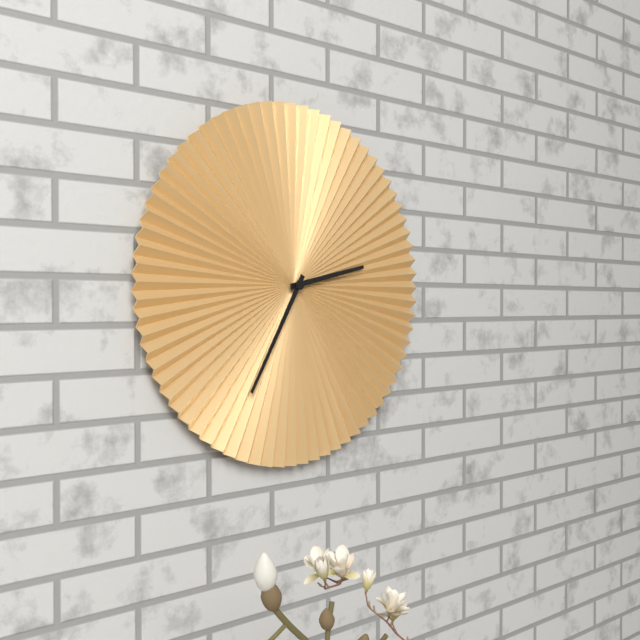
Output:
**2:35**
